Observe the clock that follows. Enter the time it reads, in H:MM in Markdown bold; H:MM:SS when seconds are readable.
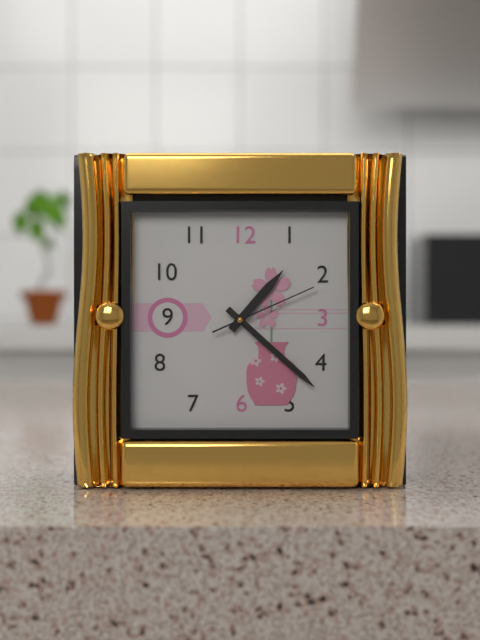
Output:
**1:22:11**
